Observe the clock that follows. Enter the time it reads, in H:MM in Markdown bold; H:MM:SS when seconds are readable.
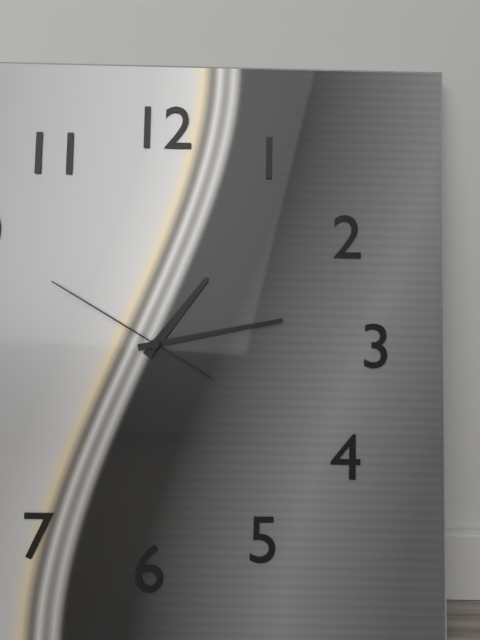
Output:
**1:13:50**
